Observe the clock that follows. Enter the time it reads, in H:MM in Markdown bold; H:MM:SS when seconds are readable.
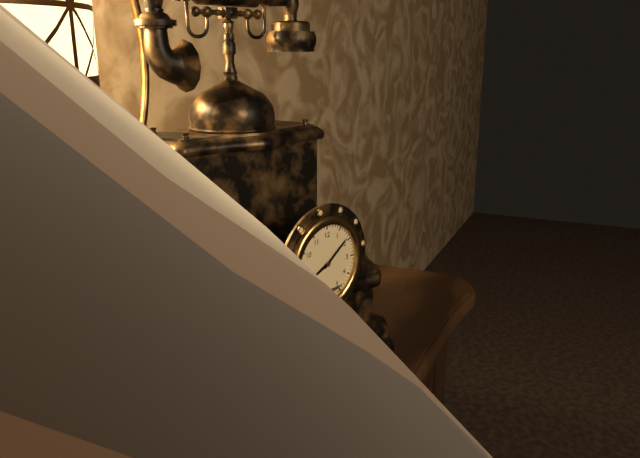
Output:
**8:09**
